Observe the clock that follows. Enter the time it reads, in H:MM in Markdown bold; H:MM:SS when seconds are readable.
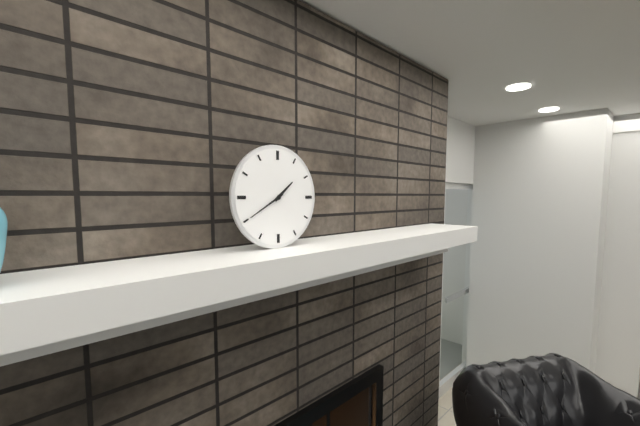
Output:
**1:40**
